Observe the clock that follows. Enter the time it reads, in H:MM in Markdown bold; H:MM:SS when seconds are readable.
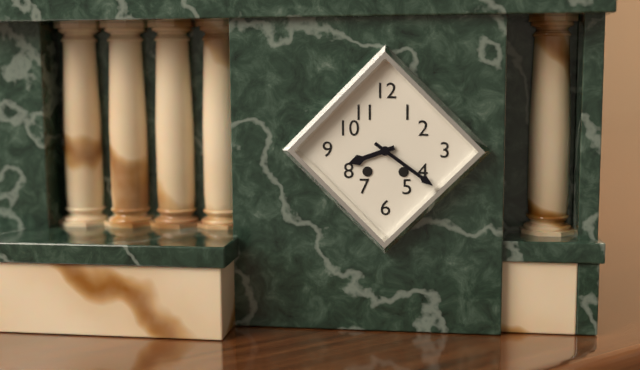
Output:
**8:21**
